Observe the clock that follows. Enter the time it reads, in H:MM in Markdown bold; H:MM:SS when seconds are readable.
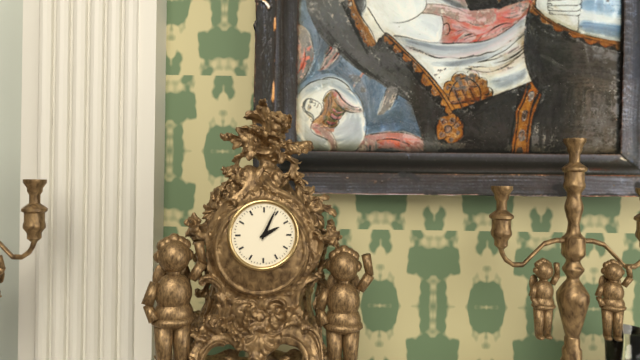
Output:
**2:04**
